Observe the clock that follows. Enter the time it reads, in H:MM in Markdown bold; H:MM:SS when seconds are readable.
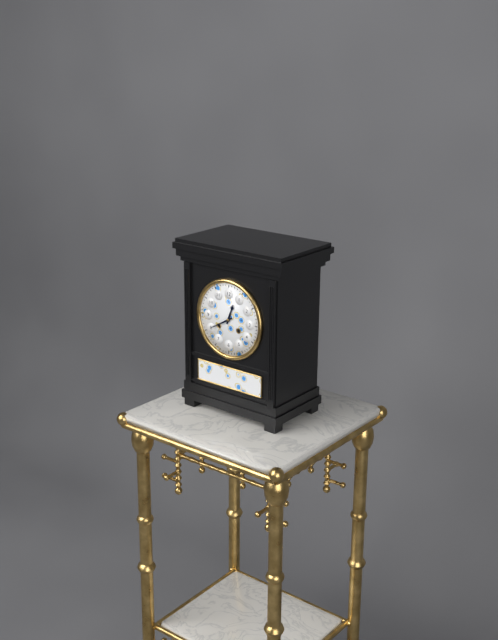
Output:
**12:40**
